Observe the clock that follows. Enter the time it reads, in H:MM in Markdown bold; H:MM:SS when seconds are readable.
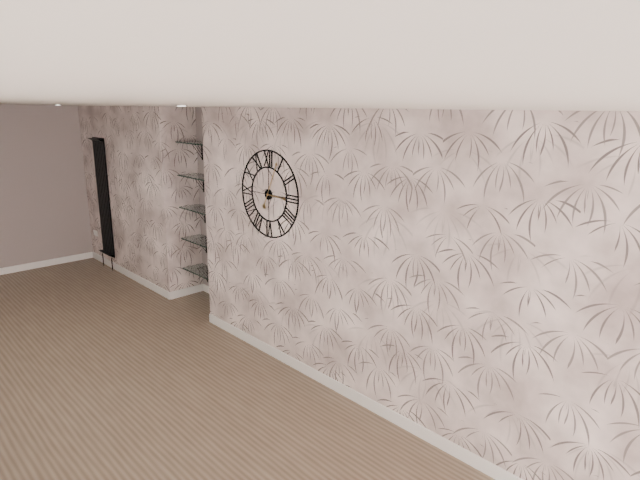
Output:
**3:04**
